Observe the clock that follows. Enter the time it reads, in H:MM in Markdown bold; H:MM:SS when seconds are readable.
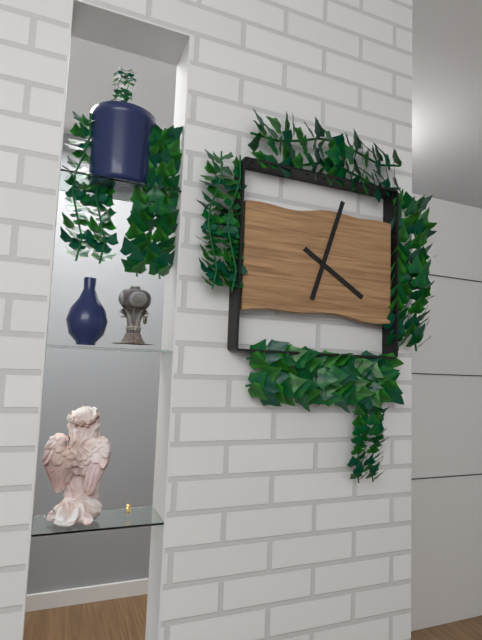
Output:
**4:03**
